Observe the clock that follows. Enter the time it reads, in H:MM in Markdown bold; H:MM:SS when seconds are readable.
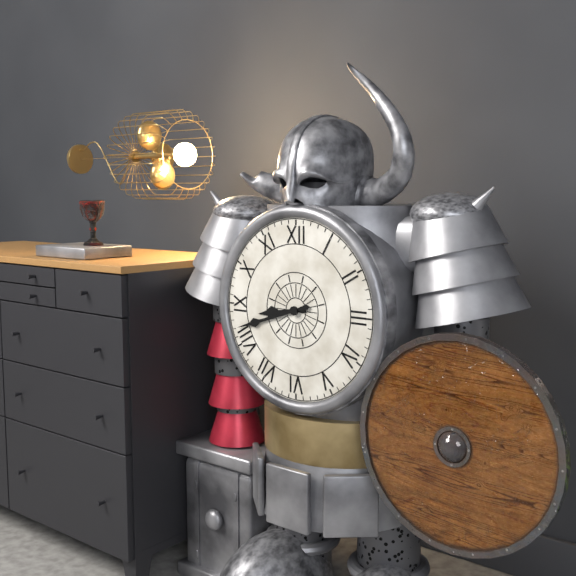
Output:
**8:42**
